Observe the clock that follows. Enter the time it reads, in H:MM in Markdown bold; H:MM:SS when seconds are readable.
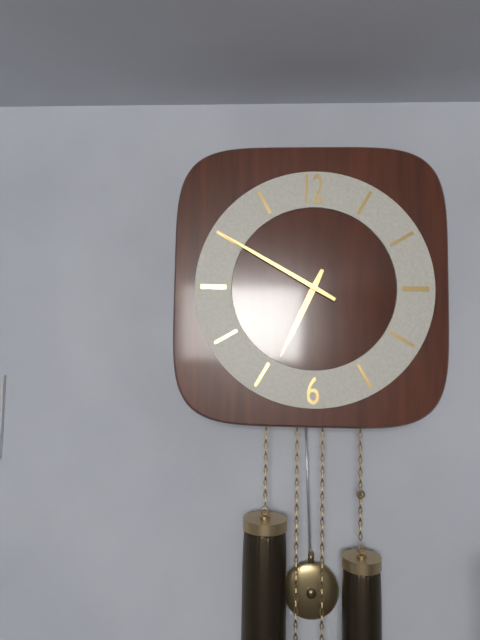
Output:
**6:50**
